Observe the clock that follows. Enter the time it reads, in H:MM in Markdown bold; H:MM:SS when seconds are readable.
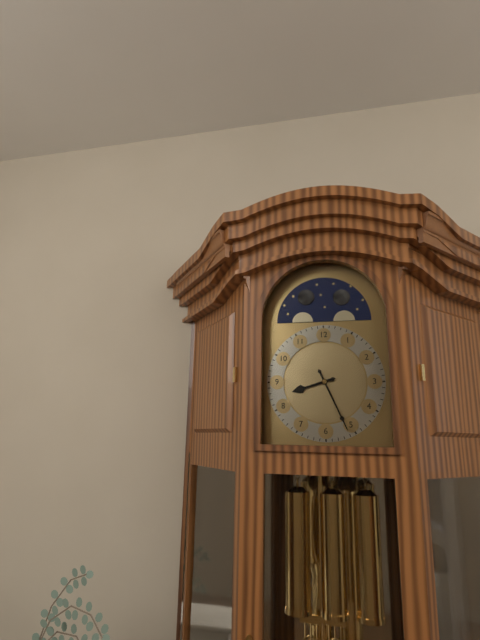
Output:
**8:26**
